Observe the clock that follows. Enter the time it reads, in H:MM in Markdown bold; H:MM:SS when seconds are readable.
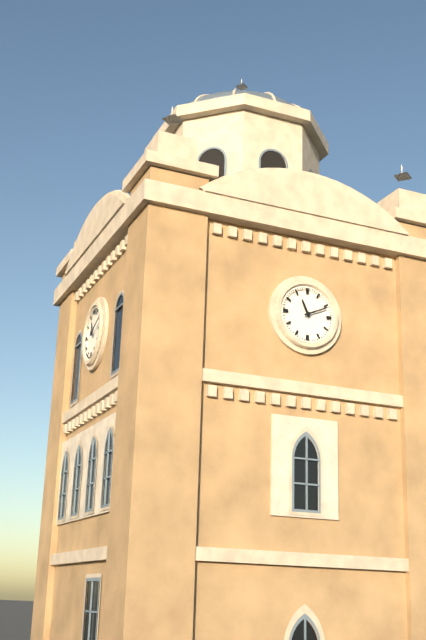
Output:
**11:11**
